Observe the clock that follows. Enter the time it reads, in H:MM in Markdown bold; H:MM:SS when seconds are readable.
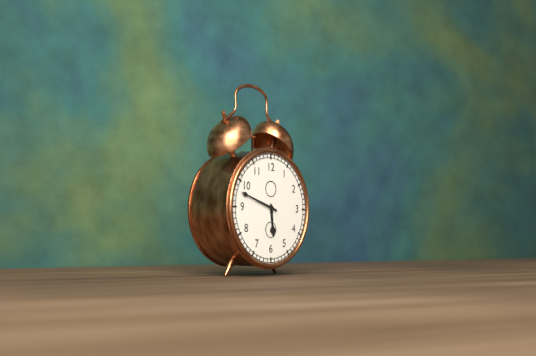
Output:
**5:48**
